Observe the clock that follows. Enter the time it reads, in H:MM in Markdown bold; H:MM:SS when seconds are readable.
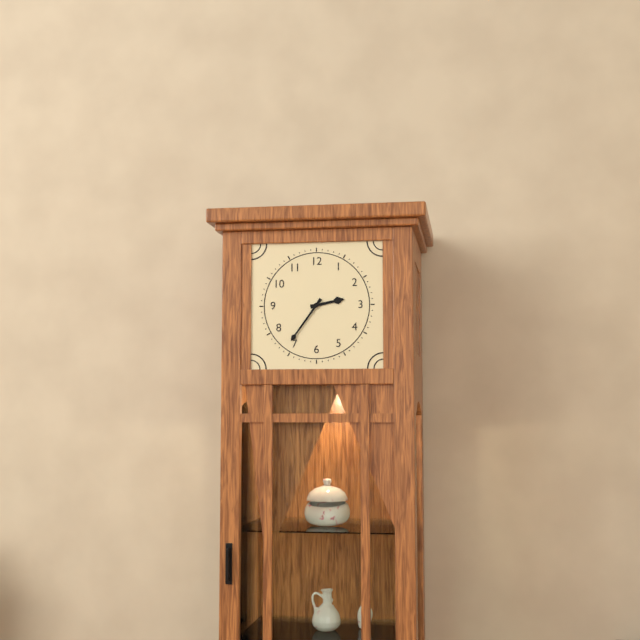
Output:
**2:36**
